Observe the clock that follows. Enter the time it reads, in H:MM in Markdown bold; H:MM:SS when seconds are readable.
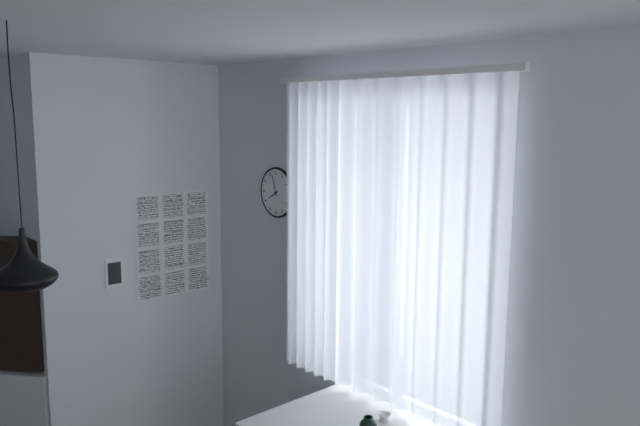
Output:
**7:57**
